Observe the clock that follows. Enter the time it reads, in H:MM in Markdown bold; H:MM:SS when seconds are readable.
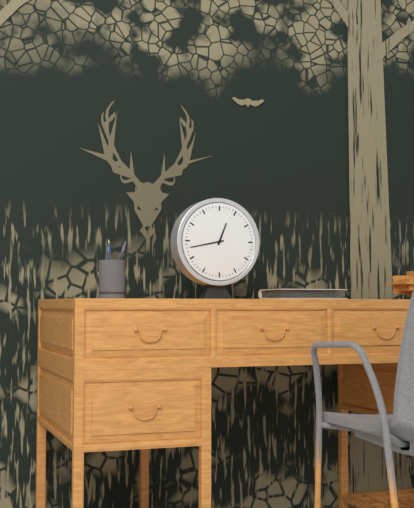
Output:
**12:43**
